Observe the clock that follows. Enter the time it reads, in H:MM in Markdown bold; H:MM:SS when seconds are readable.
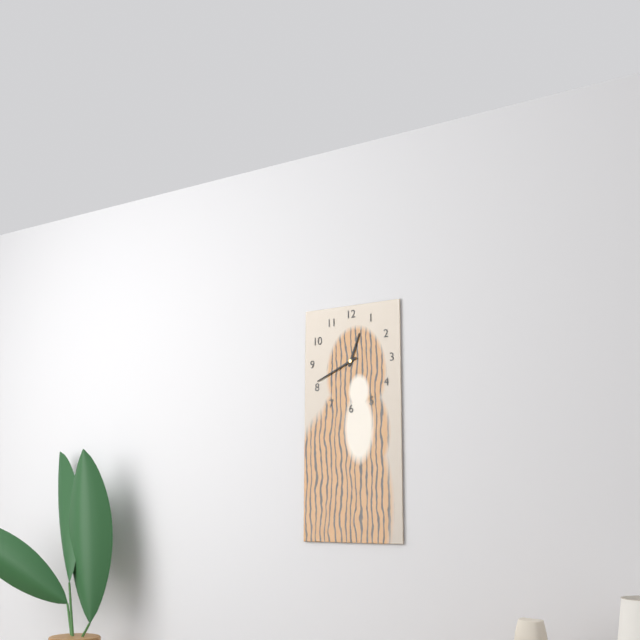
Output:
**12:41**
